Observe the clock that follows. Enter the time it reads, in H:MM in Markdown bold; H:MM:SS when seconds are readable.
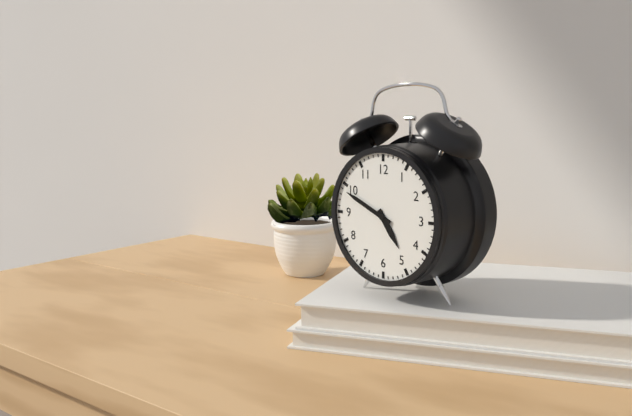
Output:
**4:49**
